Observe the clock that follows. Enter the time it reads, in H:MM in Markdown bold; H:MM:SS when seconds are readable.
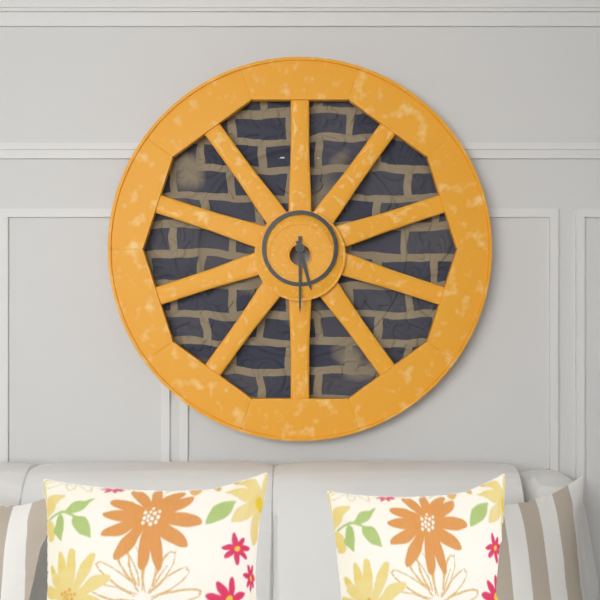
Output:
**5:30**
